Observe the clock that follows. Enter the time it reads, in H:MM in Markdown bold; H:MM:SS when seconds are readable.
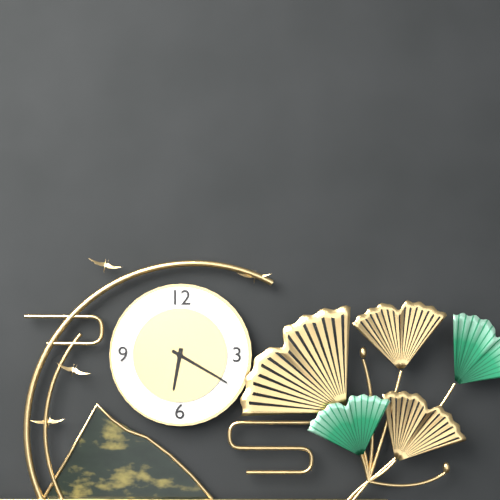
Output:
**6:20**
